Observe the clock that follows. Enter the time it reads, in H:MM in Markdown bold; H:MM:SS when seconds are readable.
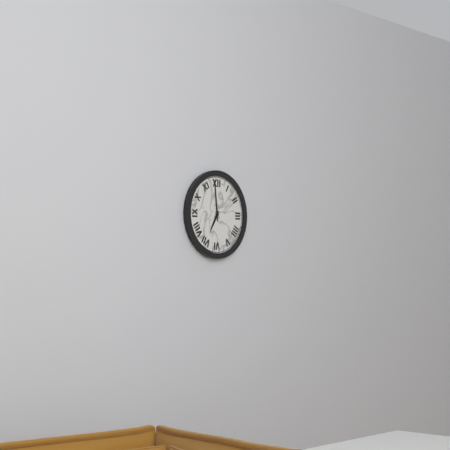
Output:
**6:59**
